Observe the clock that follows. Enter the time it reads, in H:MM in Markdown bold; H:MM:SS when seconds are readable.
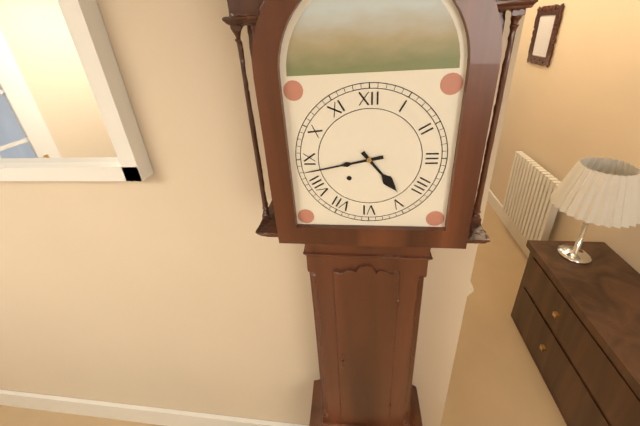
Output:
**4:43**
